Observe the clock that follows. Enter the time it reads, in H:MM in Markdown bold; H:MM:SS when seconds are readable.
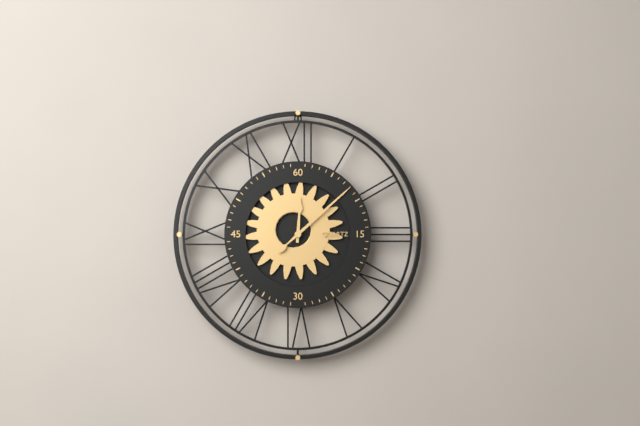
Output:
**12:08**
